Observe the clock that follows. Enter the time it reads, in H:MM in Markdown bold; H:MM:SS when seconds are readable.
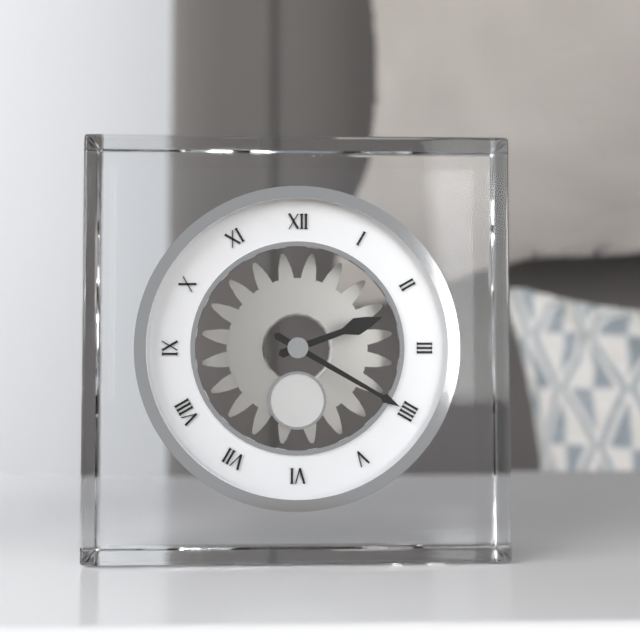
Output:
**2:20**
